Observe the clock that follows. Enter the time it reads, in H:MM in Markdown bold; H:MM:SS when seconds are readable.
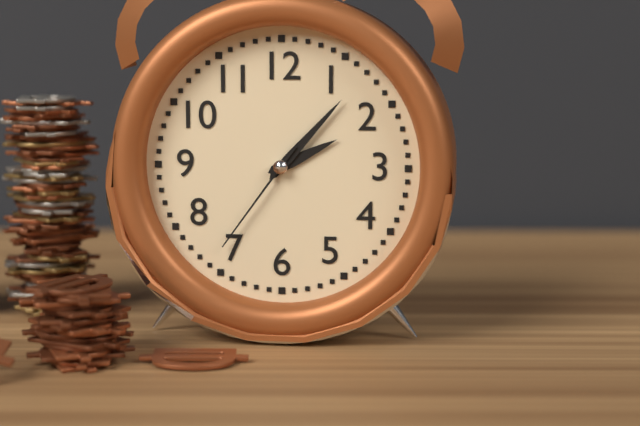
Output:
**2:07:36**
